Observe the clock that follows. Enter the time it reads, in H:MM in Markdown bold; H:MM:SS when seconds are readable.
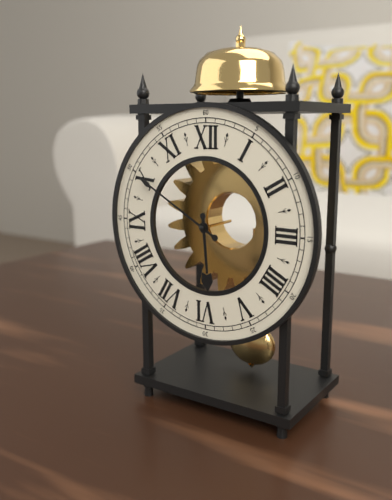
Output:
**5:50**
